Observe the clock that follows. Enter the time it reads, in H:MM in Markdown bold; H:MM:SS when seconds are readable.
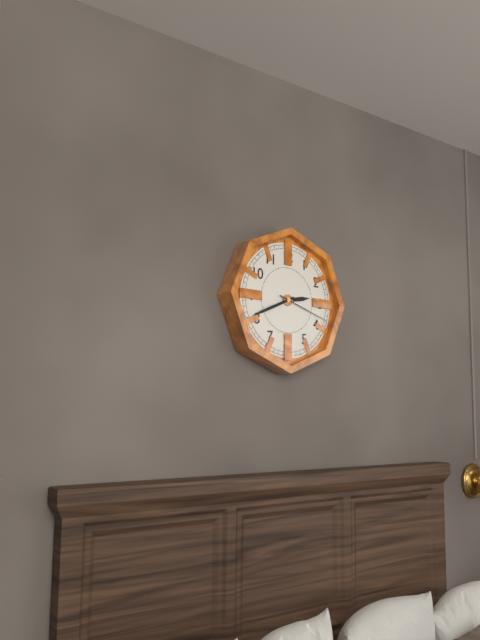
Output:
**2:41:18**
